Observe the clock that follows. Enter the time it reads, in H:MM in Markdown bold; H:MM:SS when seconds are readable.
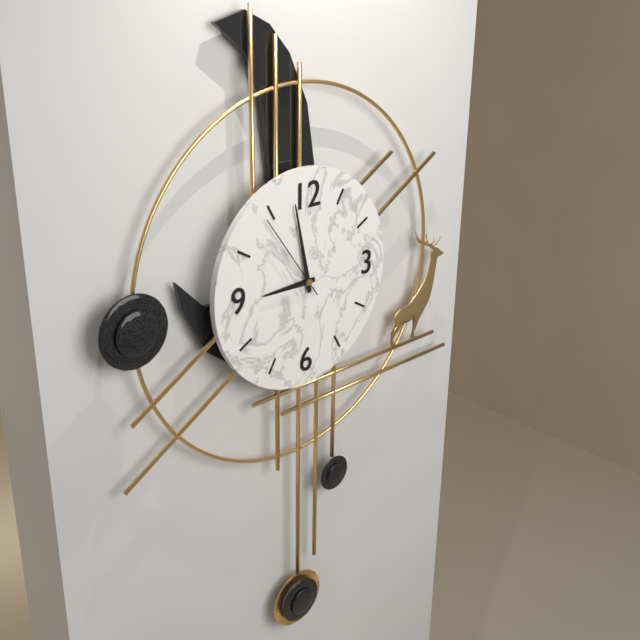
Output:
**8:58:54**
